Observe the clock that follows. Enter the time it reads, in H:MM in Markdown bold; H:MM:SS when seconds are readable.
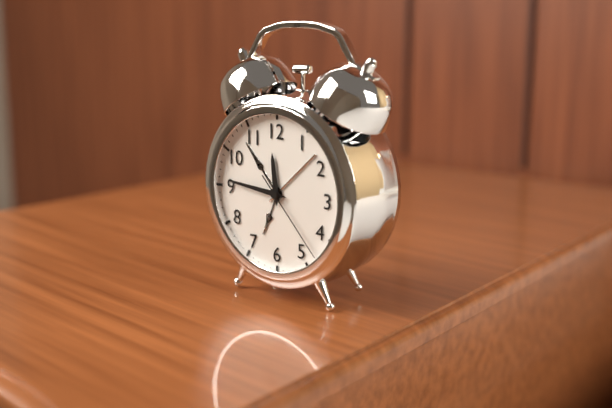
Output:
**11:46:23**
